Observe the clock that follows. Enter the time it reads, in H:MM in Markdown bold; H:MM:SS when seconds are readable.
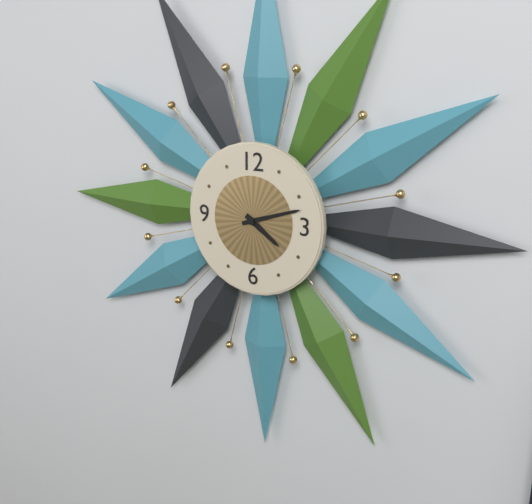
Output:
**4:12**
